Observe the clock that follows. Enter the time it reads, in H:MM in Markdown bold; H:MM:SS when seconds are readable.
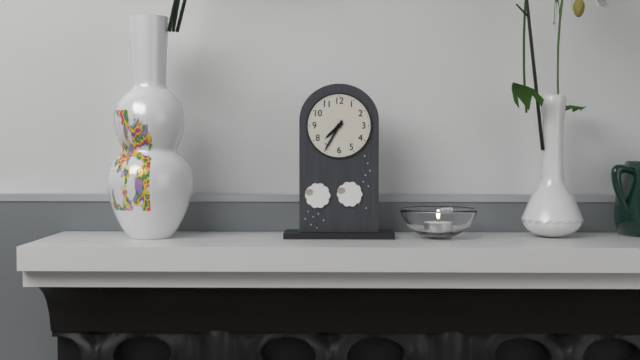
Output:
**7:35**
